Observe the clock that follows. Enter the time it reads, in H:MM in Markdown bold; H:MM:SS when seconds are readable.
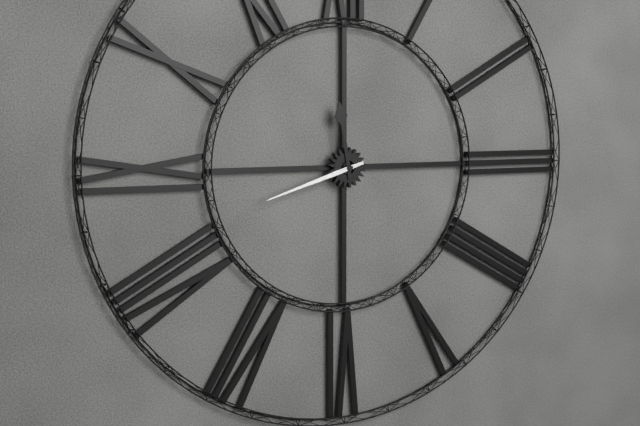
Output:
**11:42**
